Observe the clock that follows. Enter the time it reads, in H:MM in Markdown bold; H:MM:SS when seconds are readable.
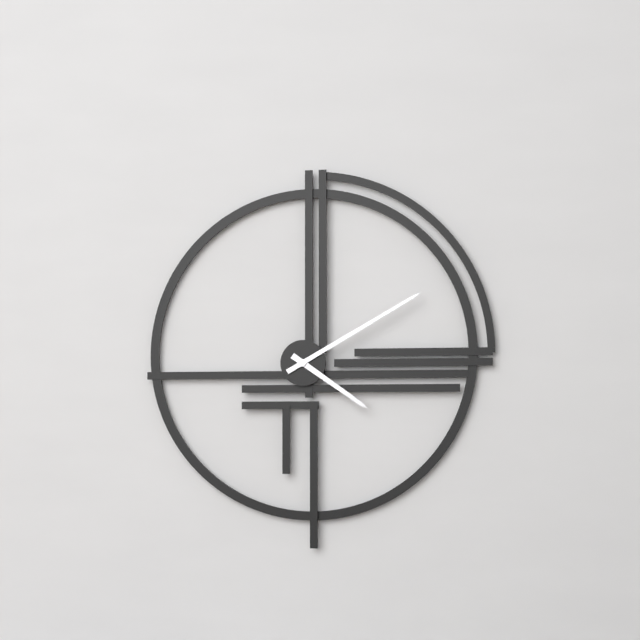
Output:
**4:10**
